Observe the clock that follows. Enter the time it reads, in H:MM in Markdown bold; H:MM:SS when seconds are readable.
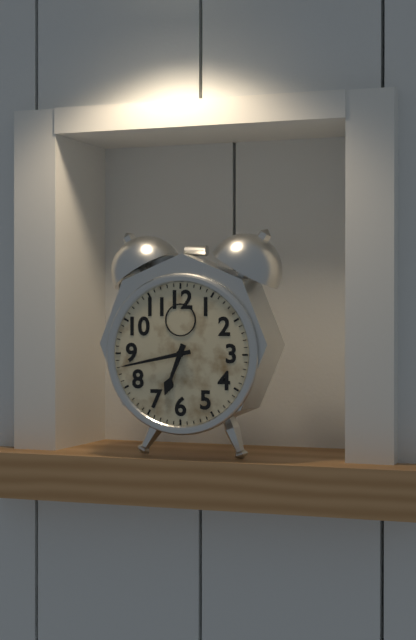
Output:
**6:43**
